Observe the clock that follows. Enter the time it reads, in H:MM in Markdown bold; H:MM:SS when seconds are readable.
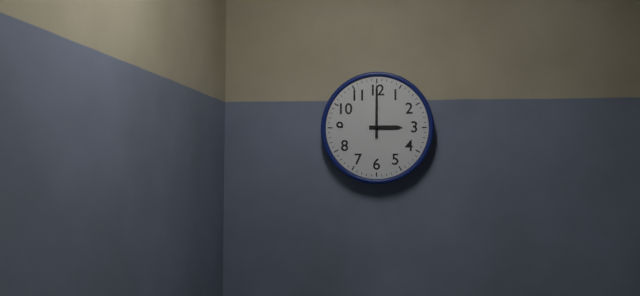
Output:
**3:00**
